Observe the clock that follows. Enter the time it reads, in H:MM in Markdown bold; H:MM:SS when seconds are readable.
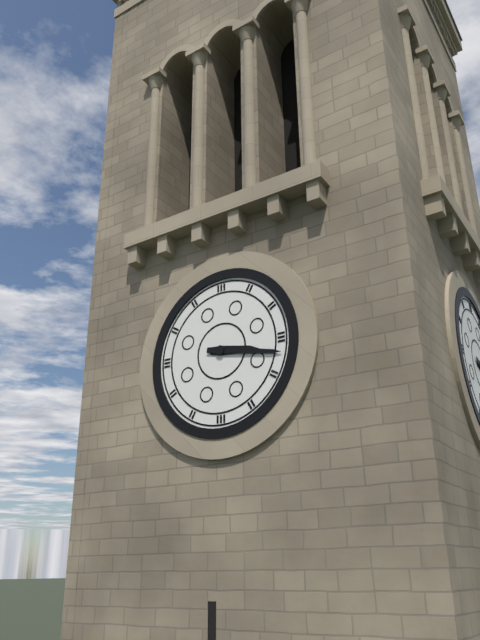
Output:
**3:17**
